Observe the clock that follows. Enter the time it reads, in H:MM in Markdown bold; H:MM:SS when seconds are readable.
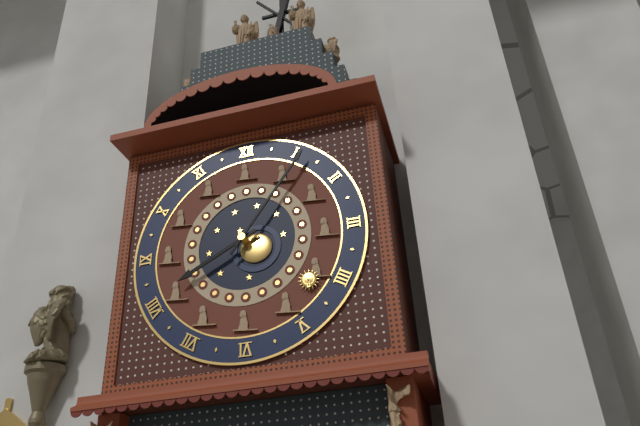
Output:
**8:06**
